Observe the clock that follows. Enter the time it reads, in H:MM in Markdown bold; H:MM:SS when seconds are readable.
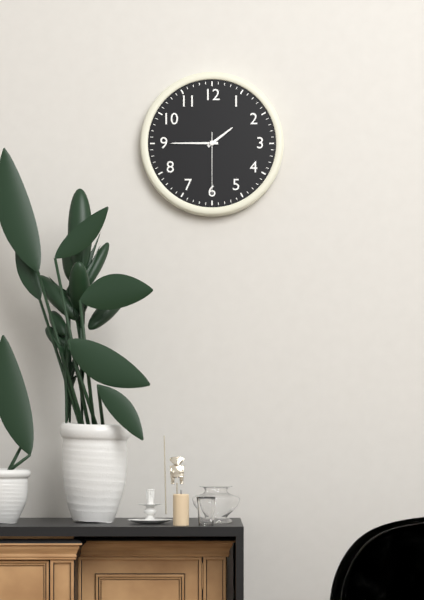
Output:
**1:45:30**
